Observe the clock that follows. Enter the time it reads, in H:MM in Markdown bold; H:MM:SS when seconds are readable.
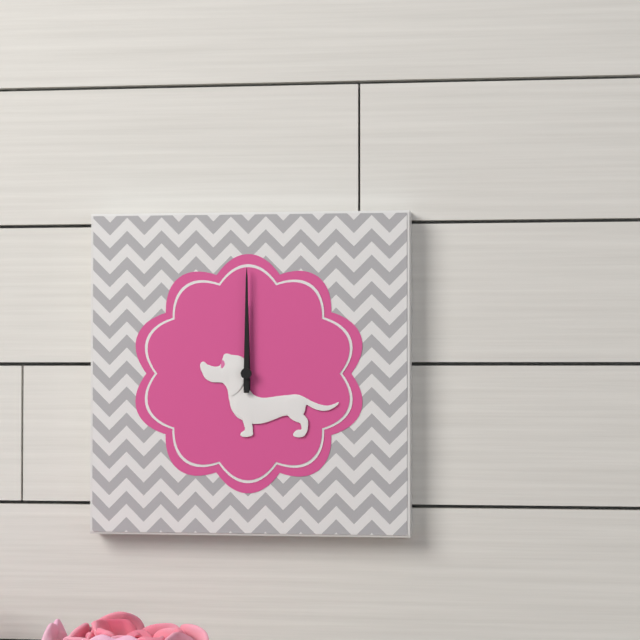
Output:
**12:00**
